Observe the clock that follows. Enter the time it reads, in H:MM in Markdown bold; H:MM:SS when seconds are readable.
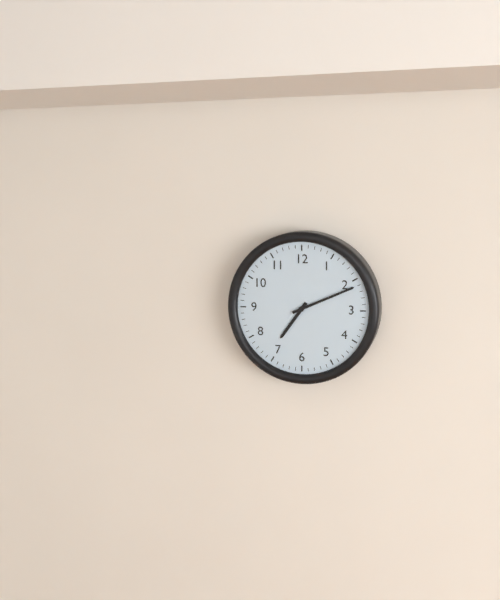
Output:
**7:11**
